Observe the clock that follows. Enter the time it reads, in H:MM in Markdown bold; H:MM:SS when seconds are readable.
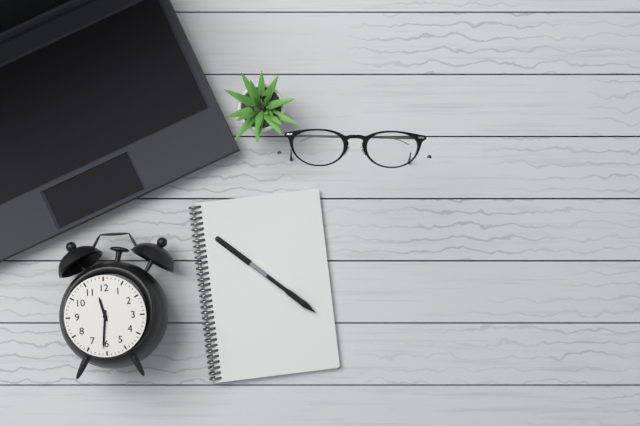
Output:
**11:31**
